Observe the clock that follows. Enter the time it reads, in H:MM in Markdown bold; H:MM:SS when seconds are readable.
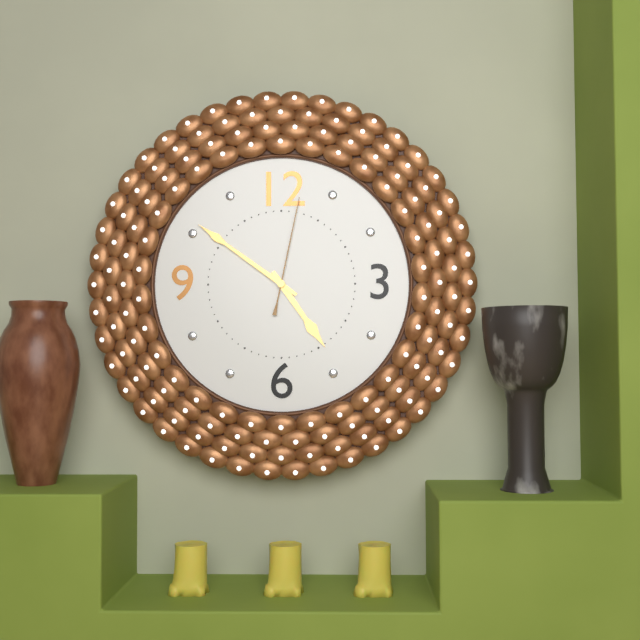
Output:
**4:51:02**
